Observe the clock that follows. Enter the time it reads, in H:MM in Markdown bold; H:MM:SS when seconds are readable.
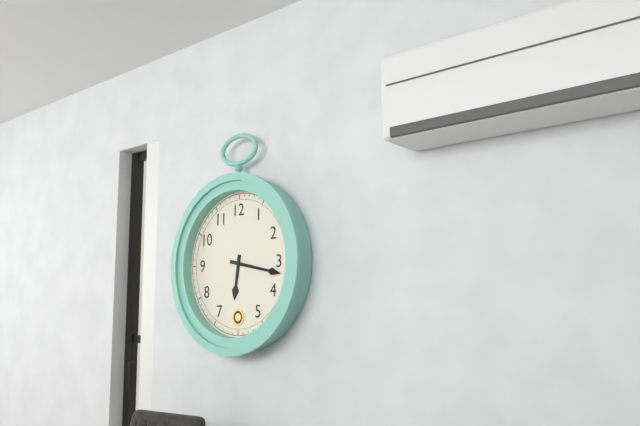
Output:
**6:17**
